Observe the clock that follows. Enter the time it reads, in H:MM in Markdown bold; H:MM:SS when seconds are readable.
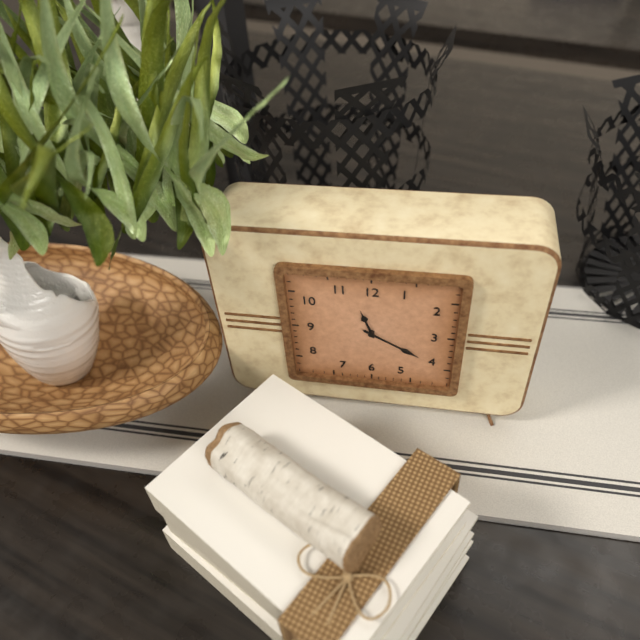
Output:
**11:20**
